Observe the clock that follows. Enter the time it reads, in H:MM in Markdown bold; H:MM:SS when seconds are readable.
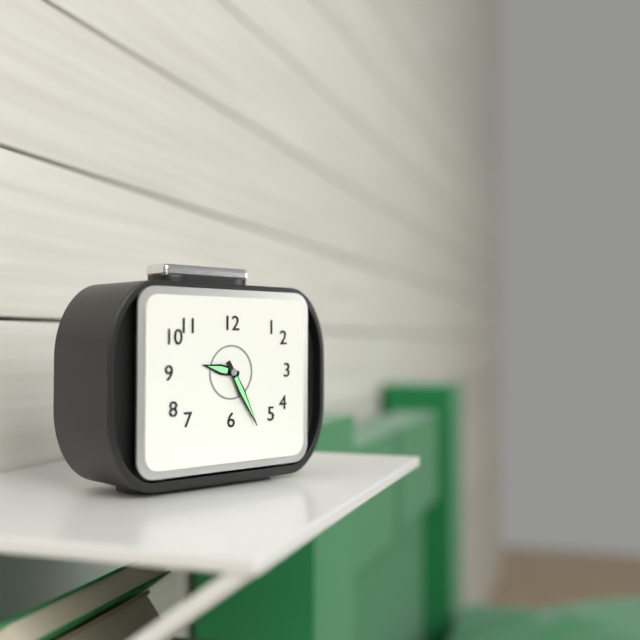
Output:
**9:25**
